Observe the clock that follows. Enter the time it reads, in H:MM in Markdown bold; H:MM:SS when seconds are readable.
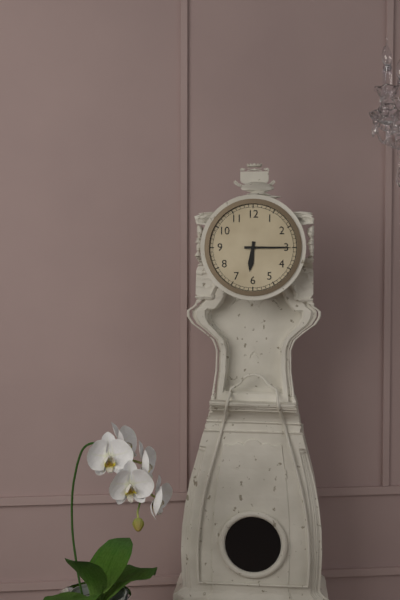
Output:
**6:15**
